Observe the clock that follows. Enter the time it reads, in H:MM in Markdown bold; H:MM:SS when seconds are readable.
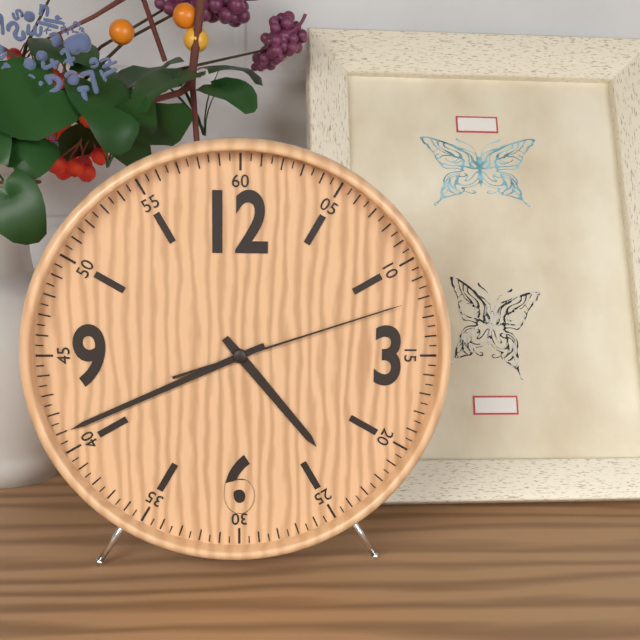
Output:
**4:41:12**
